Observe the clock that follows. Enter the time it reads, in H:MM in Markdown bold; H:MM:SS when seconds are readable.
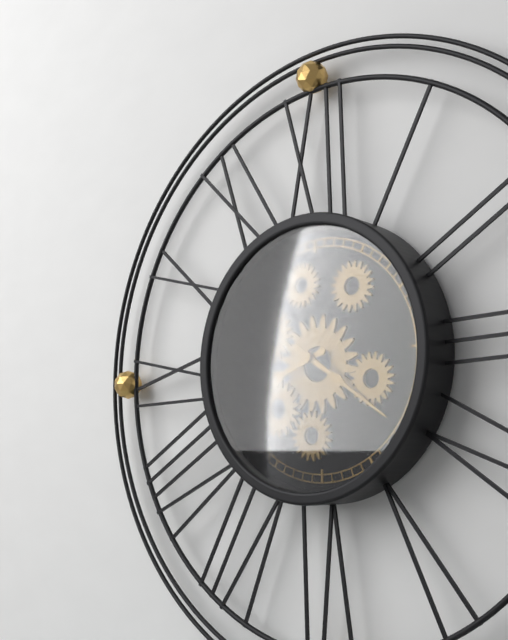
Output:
**8:21**
